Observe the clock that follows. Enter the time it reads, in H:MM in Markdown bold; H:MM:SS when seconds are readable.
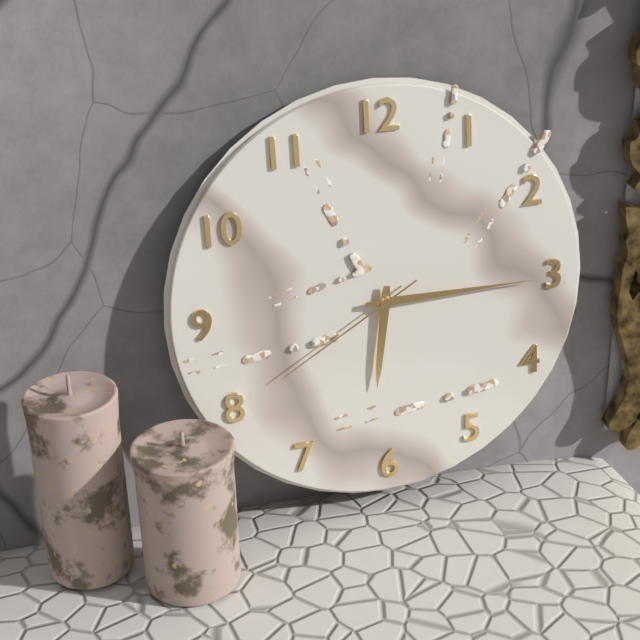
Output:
**6:15:40**
